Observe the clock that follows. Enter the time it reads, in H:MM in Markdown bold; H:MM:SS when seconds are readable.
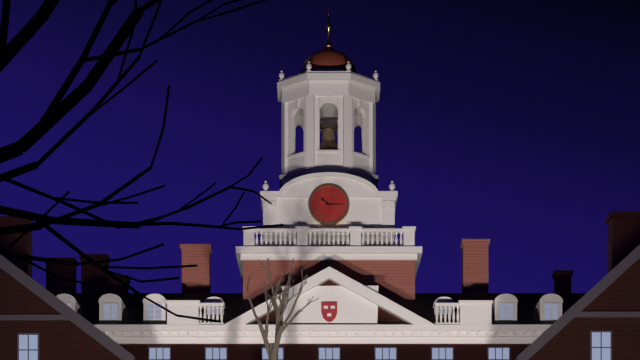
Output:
**10:15**
